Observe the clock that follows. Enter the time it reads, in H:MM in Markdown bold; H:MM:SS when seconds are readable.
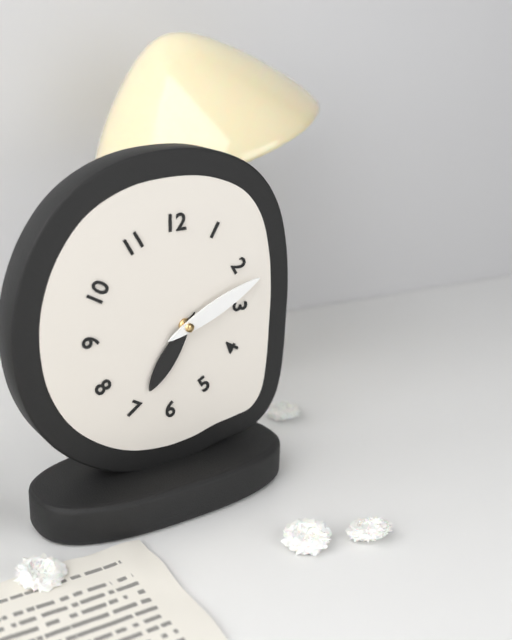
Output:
**7:11**
